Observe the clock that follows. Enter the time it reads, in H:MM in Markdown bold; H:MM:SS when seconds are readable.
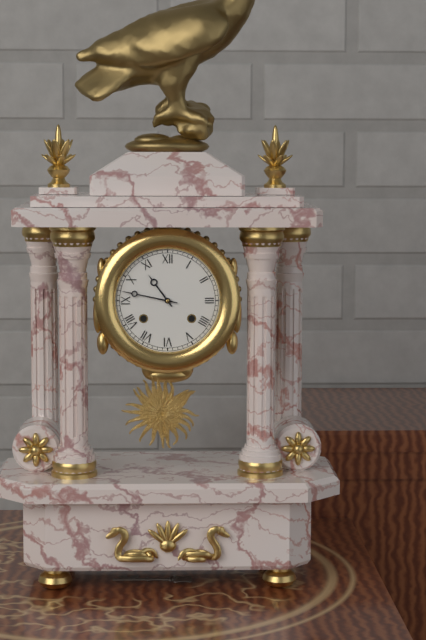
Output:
**10:47**
